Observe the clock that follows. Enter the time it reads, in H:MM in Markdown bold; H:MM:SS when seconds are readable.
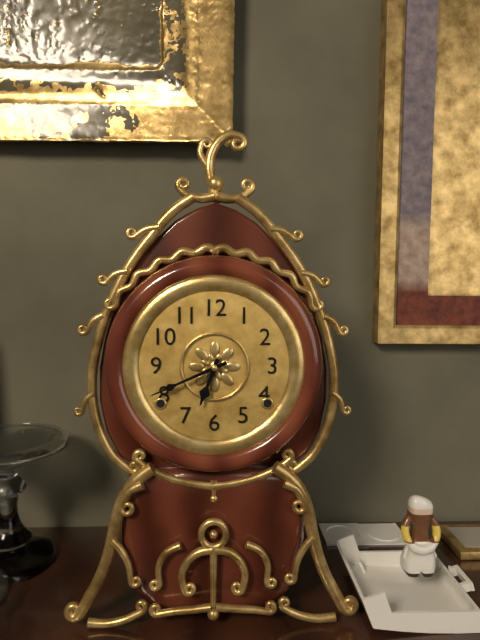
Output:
**6:41**
